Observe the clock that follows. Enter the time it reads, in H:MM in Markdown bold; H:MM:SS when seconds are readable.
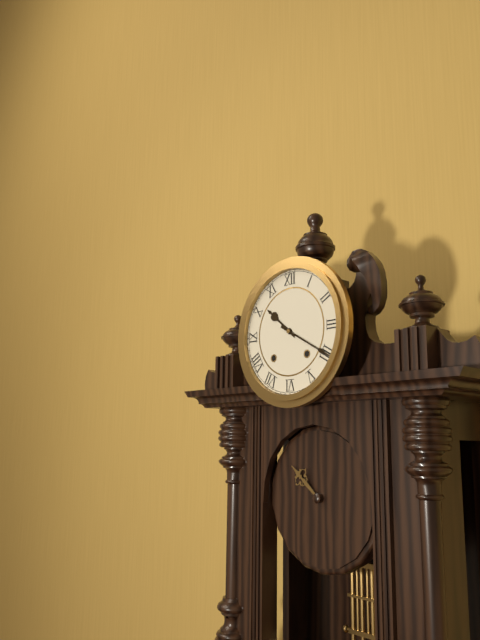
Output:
**10:20**
